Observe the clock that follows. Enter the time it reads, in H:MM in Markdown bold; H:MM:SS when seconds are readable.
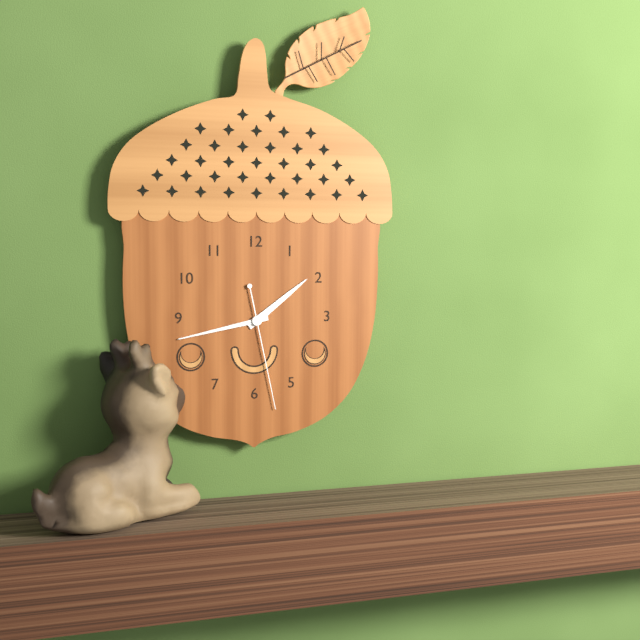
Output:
**1:43:28**
